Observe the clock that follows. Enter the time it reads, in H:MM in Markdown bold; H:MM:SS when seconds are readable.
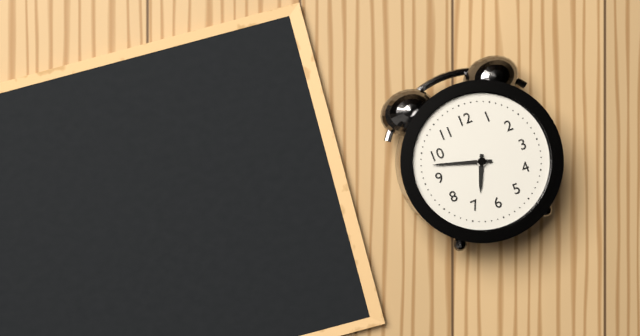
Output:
**6:48**
